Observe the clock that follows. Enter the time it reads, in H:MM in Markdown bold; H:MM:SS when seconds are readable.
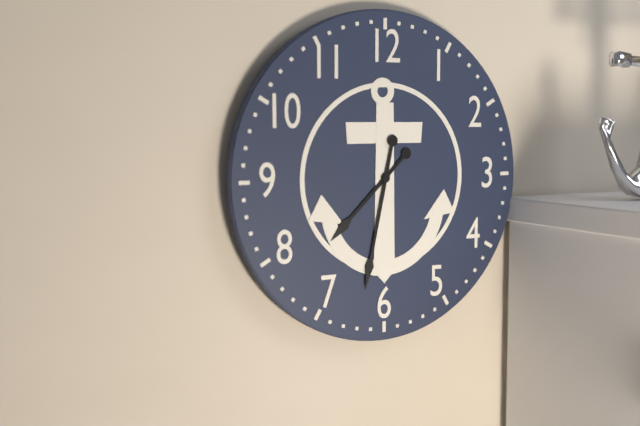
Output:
**7:32**
